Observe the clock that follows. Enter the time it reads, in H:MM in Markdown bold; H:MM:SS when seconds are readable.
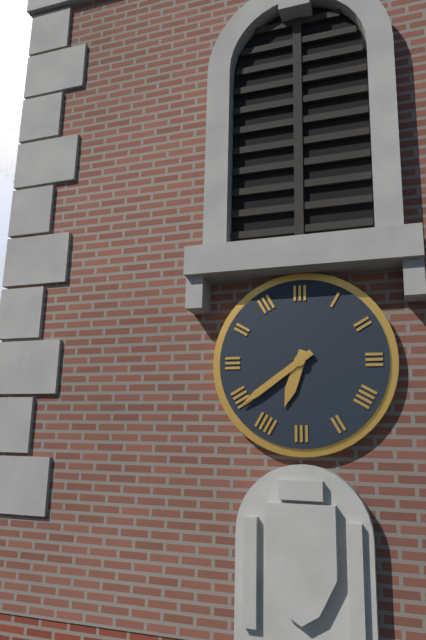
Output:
**6:39**
